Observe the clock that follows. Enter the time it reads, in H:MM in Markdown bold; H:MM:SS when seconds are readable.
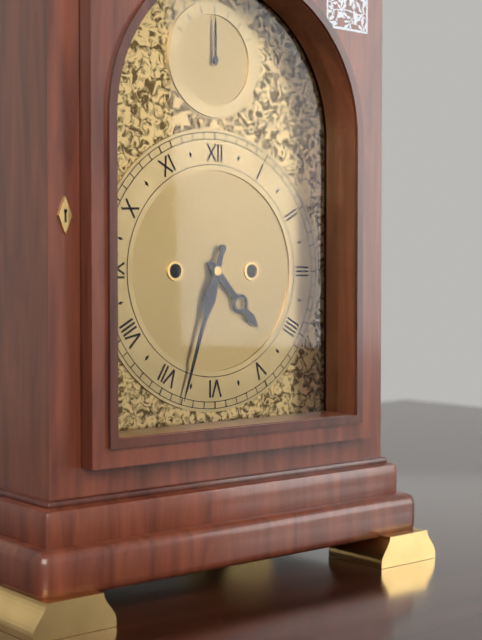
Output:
**4:33**
